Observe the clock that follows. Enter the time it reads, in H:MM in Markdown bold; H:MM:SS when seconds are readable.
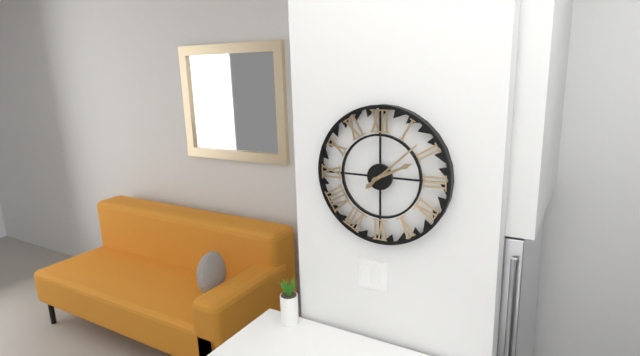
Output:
**2:08**
